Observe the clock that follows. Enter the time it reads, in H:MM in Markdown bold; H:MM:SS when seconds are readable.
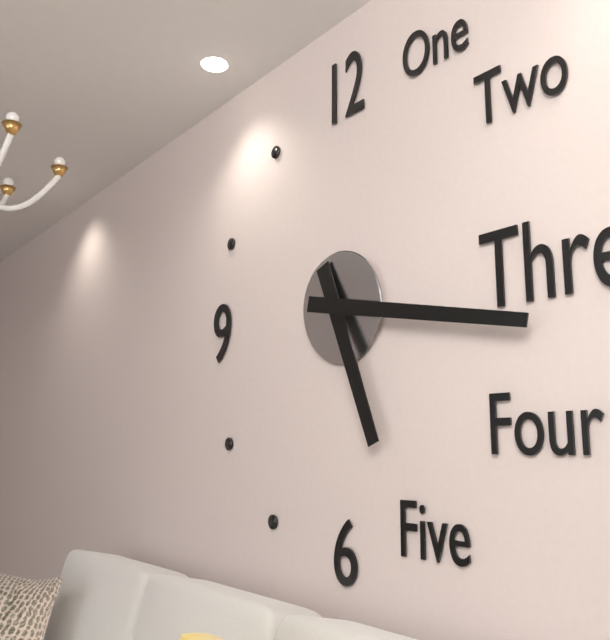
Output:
**5:17**
